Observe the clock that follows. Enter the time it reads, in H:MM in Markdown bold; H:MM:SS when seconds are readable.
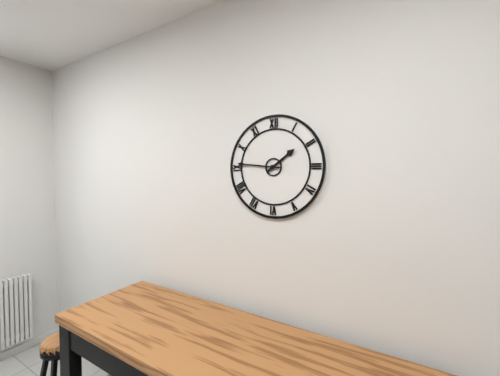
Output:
**1:46**
